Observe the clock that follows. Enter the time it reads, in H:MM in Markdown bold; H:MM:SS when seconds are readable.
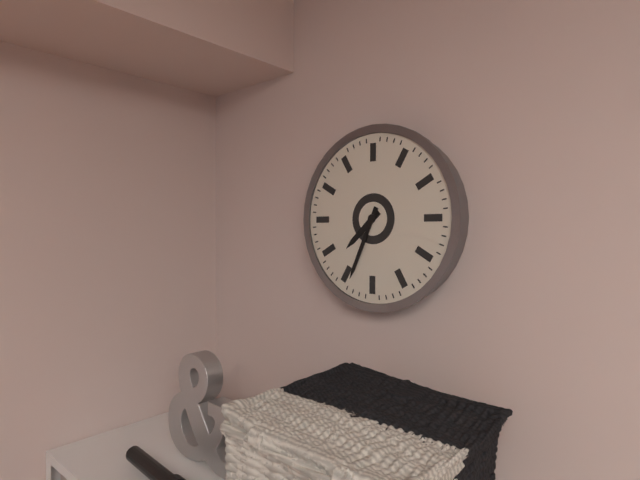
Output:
**7:34**
